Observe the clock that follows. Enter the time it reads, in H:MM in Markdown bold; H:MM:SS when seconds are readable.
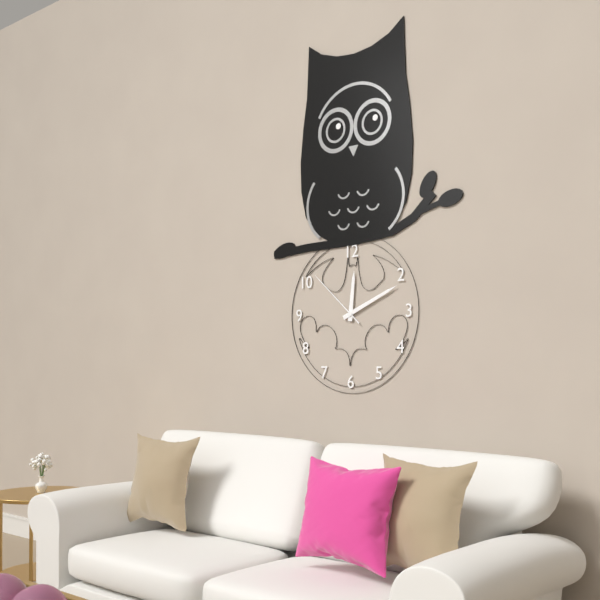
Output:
**12:11:52**
